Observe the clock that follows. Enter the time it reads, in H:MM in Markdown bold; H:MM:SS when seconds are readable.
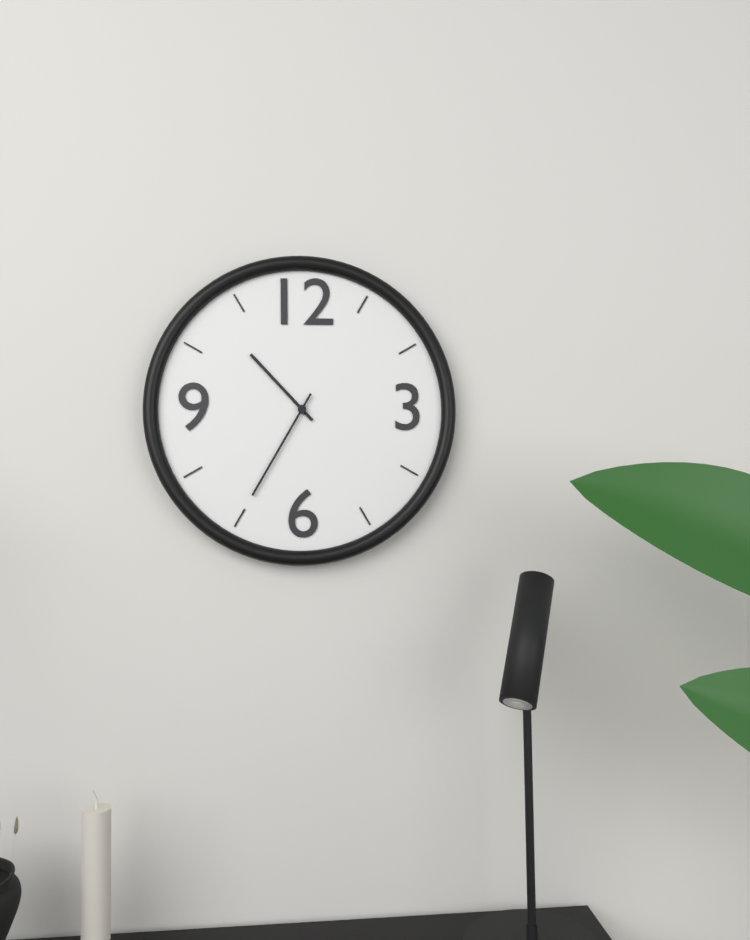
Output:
**10:35**
